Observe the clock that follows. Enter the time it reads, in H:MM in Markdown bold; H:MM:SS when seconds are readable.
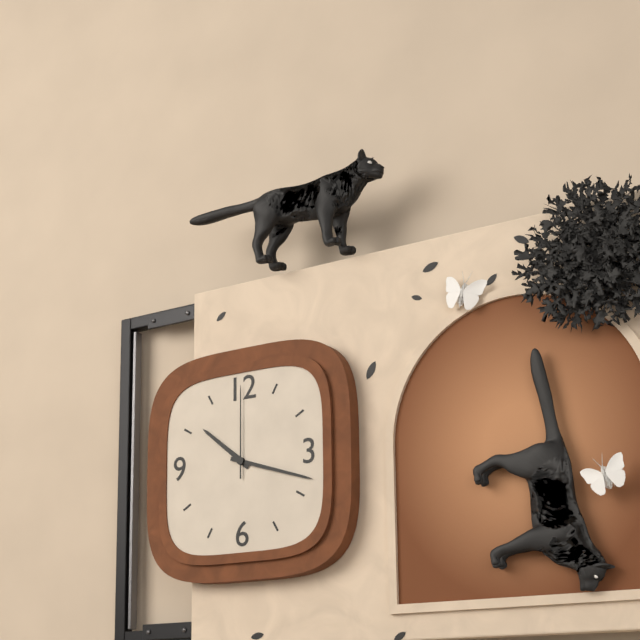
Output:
**10:18:00**
